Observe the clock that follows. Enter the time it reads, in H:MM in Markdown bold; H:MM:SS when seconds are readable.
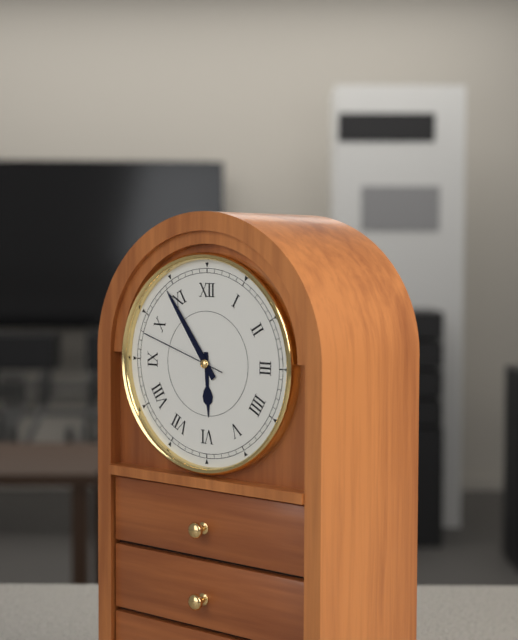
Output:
**5:54:48**
